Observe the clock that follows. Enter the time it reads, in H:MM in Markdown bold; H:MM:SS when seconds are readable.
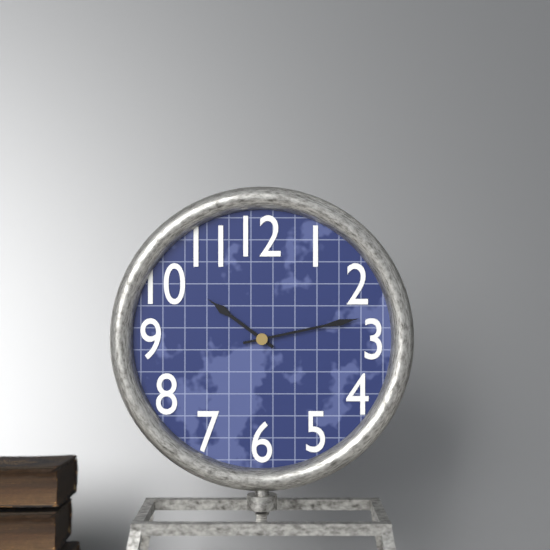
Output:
**10:13**
